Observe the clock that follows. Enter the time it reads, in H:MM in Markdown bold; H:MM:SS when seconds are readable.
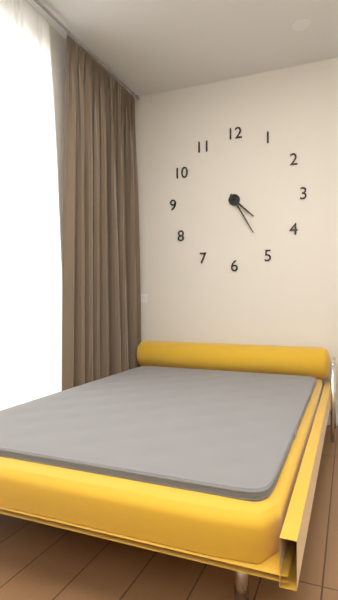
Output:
**4:25**
